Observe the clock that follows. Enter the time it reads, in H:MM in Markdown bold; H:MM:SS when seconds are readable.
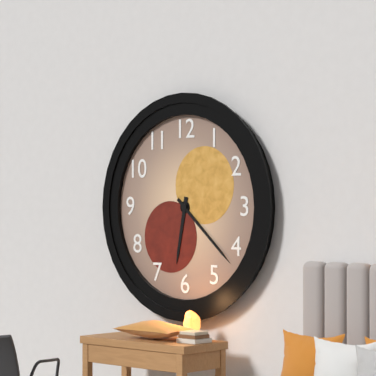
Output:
**6:22**
